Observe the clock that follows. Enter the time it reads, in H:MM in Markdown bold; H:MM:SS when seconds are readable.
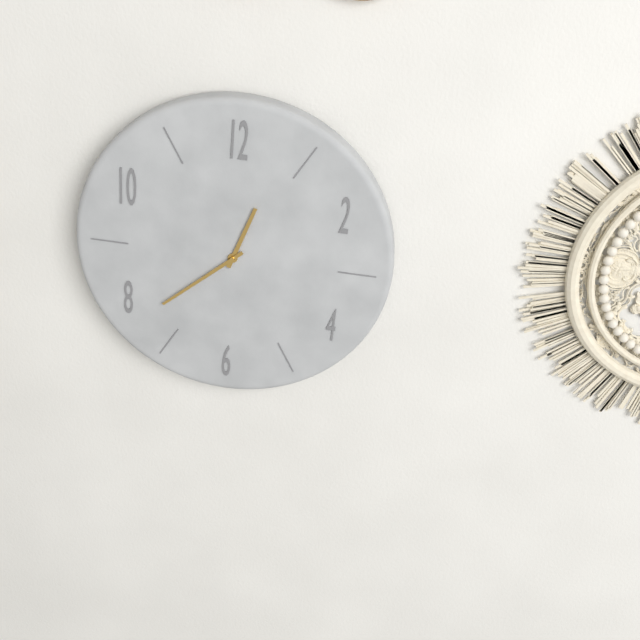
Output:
**12:38**
